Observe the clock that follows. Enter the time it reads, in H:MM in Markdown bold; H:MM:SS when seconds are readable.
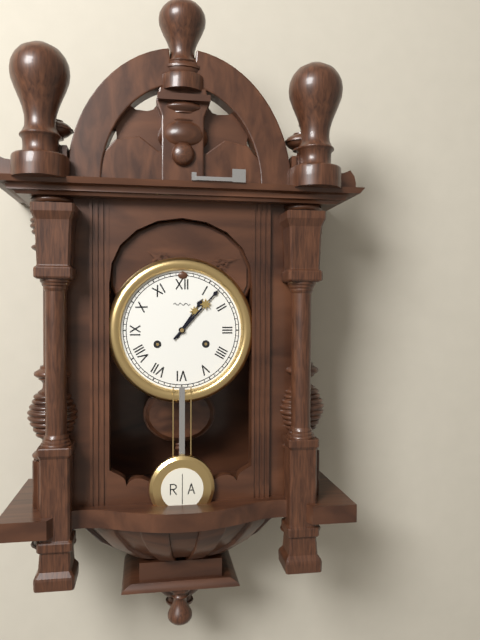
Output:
**1:07**
